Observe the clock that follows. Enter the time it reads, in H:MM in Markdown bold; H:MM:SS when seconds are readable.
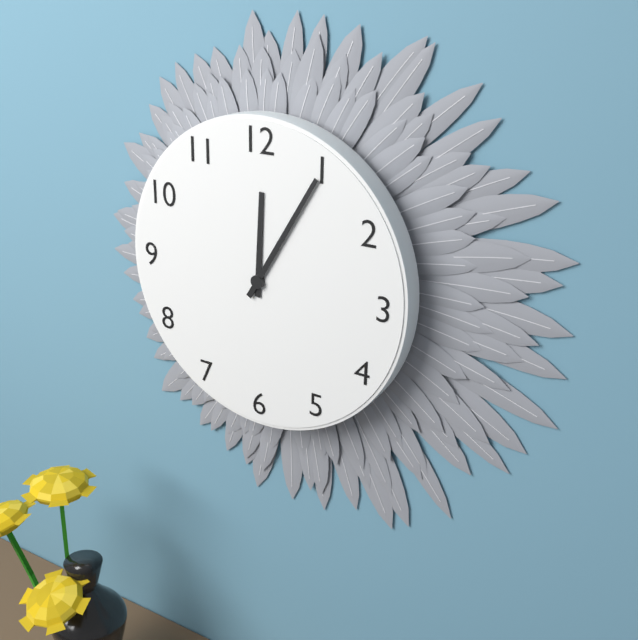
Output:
**12:05**
